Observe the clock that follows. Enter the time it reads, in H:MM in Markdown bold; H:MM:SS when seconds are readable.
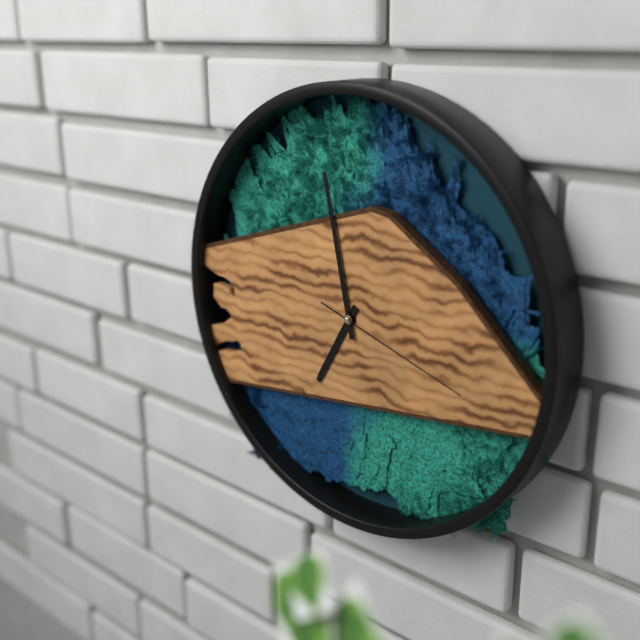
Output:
**6:58:18**
